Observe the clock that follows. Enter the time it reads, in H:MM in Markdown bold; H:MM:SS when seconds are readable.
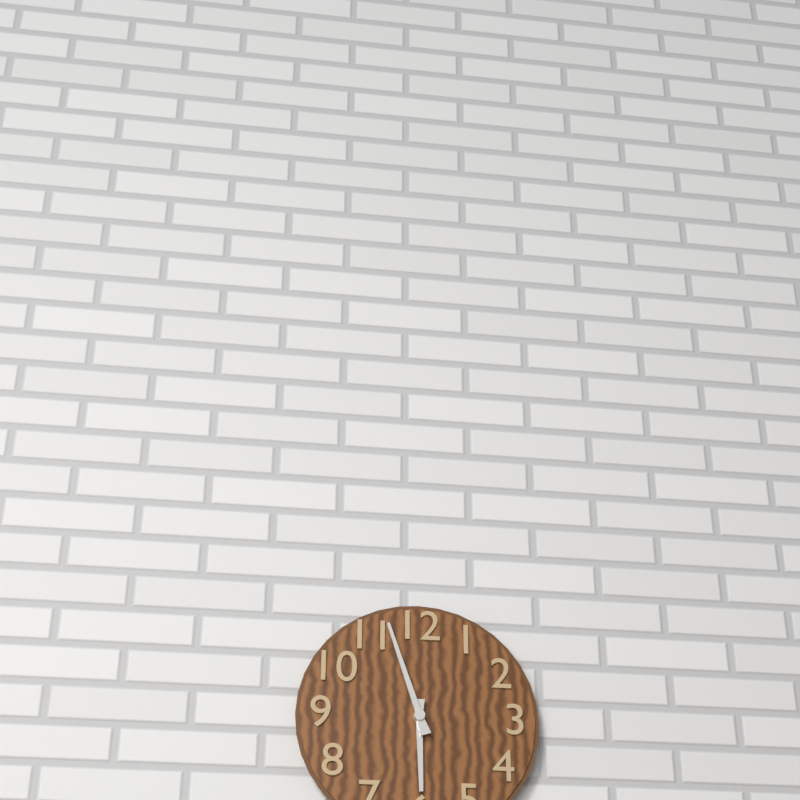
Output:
**5:57**
